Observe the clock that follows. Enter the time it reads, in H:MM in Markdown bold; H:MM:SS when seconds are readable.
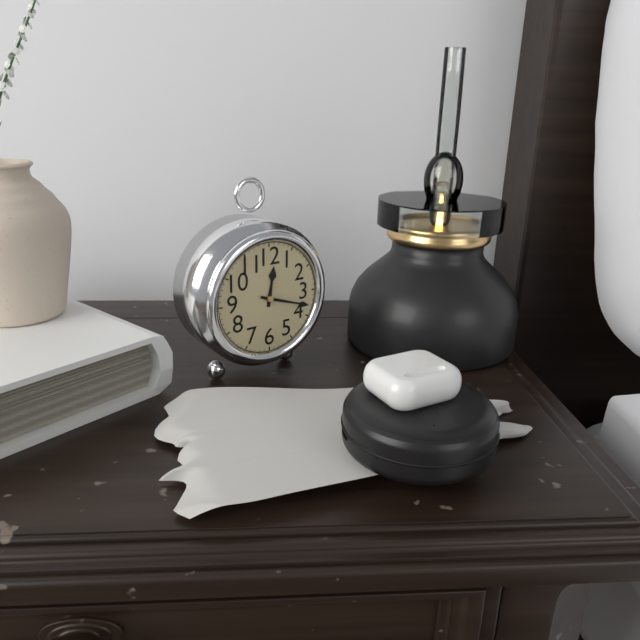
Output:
**12:18**
